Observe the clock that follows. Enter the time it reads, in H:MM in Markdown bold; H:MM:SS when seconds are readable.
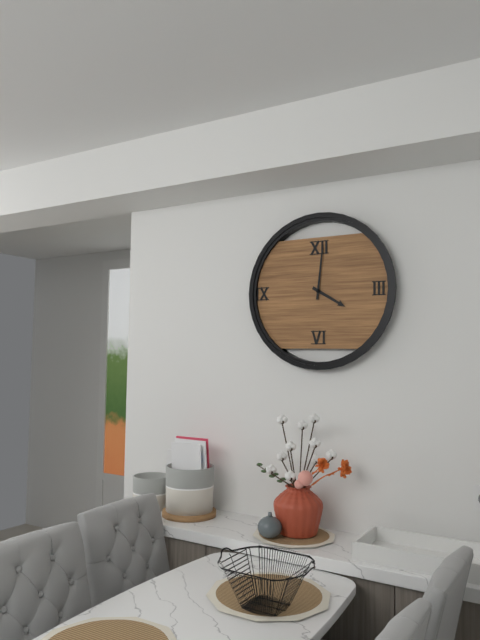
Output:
**4:01**
